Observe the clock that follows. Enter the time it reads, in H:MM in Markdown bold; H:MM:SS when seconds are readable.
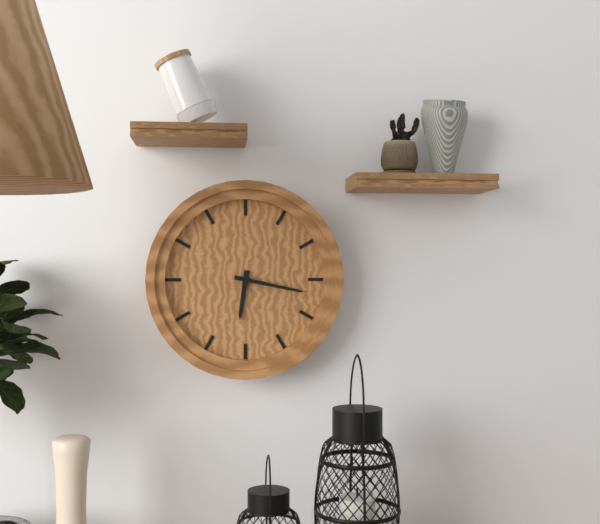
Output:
**6:17**
